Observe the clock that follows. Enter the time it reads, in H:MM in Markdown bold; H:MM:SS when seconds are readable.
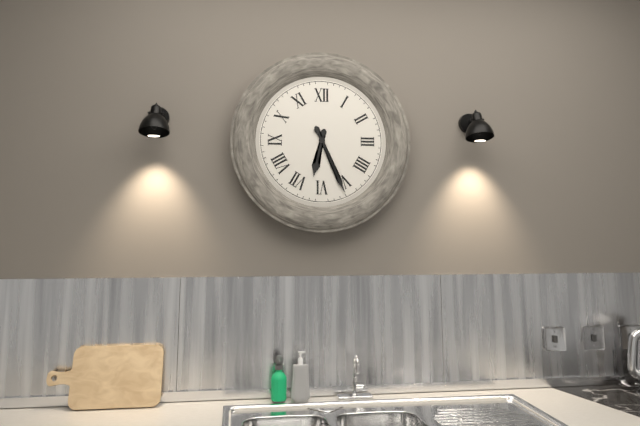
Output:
**6:26**
